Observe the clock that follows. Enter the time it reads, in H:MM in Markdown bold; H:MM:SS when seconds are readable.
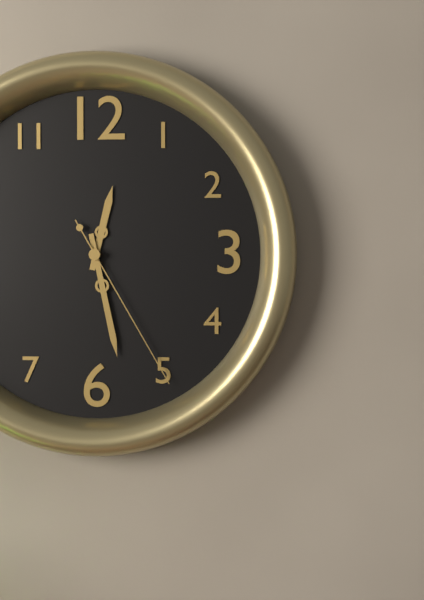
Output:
**12:28:25**
